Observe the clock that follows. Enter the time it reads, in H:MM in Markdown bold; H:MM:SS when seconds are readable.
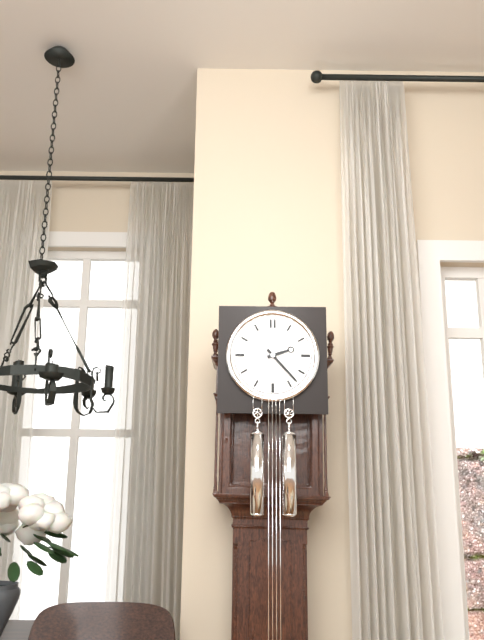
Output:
**2:23**
